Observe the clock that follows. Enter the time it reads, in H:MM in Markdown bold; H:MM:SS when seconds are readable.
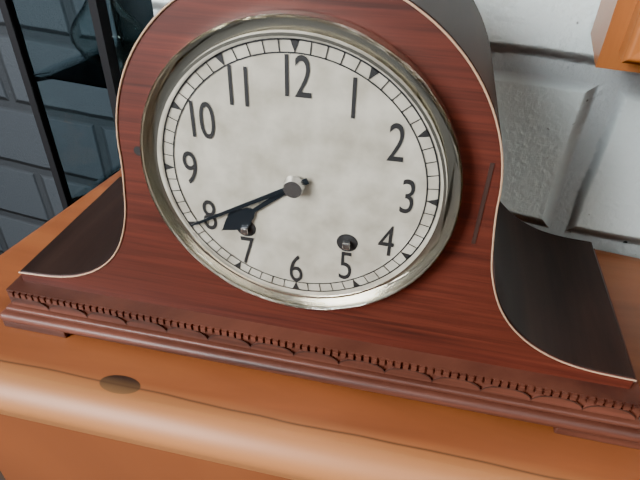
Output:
**7:40**
